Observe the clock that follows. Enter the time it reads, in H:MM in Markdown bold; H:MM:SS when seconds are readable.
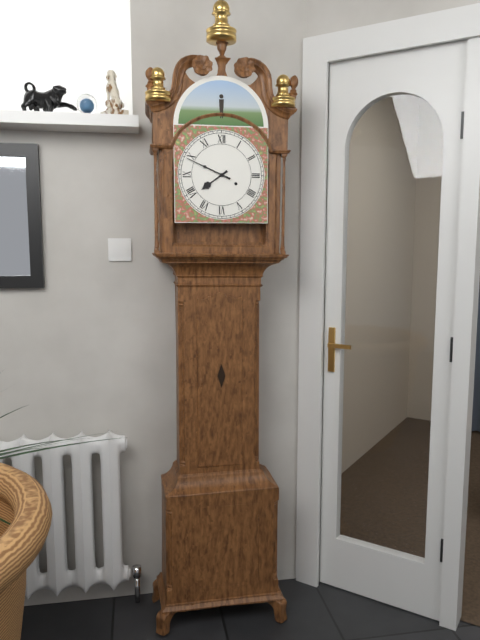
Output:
**7:49**
